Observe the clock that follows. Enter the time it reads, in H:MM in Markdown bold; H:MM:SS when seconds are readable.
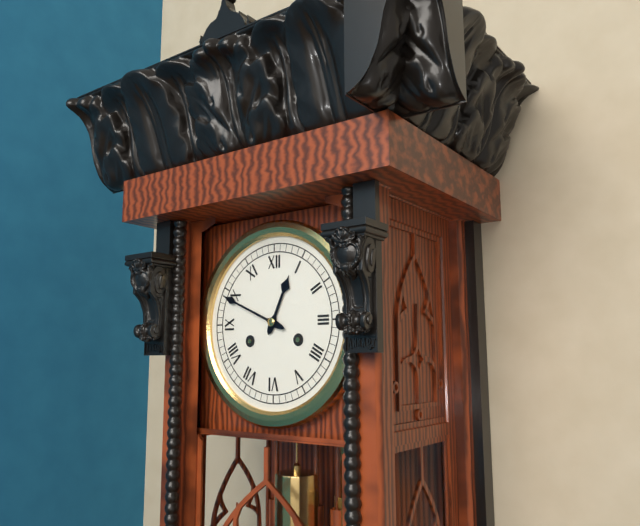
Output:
**12:49**
